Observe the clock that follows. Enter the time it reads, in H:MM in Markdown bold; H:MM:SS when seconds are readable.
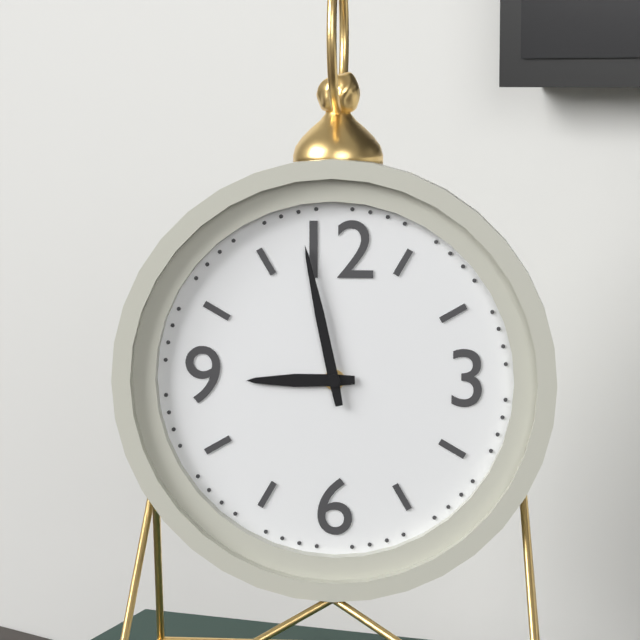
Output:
**8:58**
